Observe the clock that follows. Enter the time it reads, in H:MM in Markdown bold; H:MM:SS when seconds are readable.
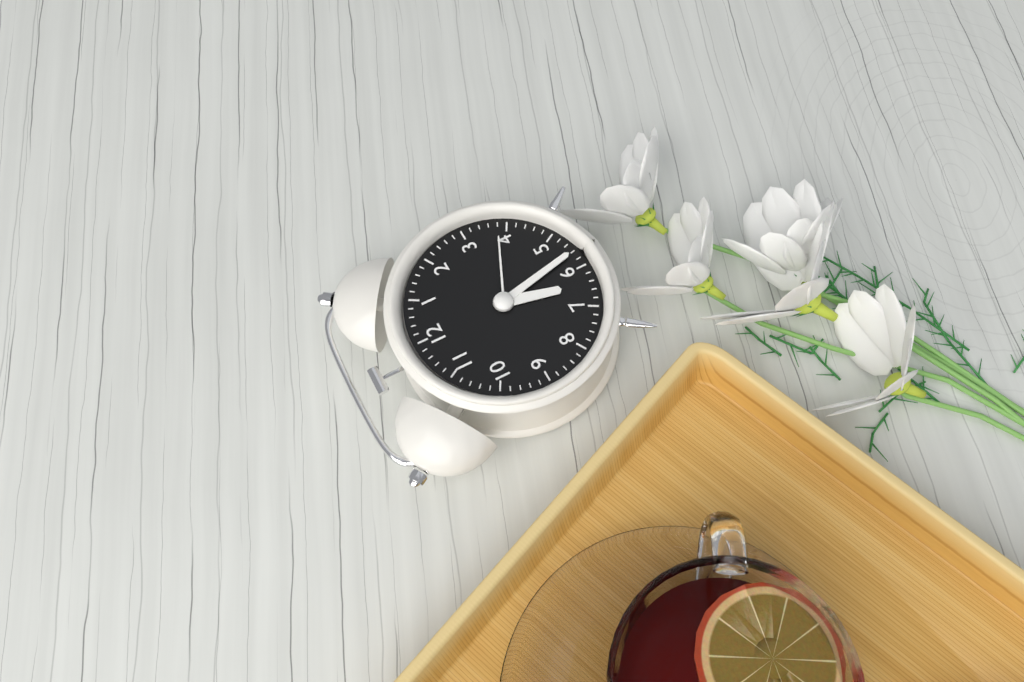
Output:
**6:28:19**
